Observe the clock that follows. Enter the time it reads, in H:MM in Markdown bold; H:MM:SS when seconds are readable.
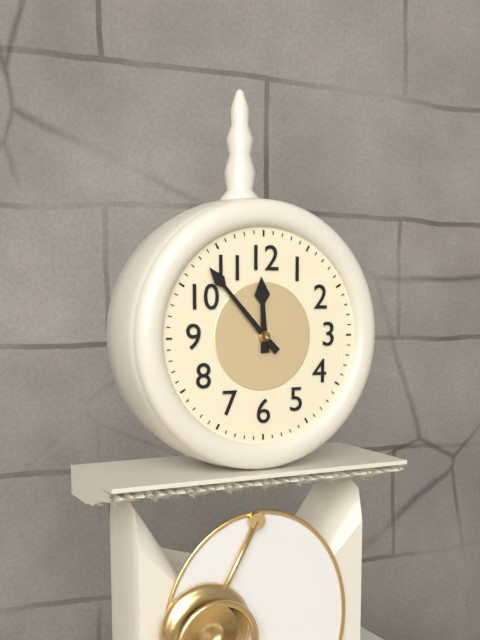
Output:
**11:53**
